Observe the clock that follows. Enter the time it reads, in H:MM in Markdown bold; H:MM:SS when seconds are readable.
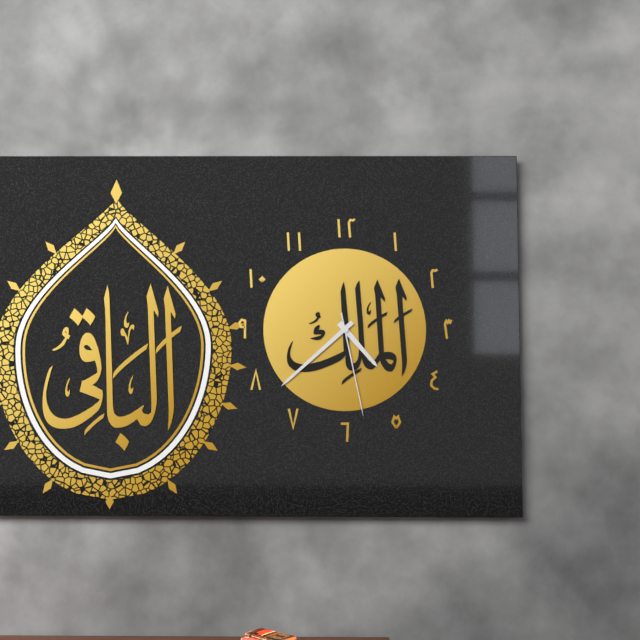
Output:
**4:38:28**
